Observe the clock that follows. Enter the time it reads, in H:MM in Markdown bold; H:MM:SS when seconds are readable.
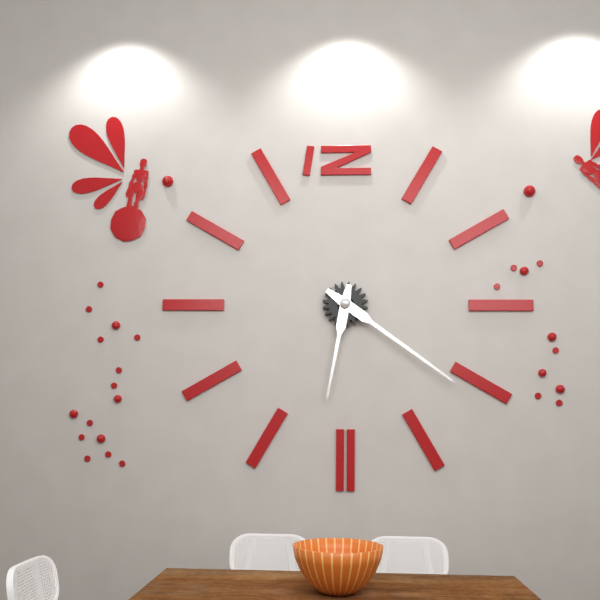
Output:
**6:21**
